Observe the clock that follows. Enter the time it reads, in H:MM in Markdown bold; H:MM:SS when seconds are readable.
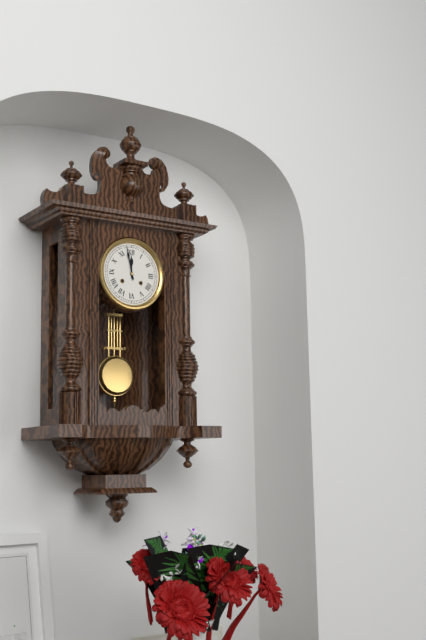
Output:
**11:58**
